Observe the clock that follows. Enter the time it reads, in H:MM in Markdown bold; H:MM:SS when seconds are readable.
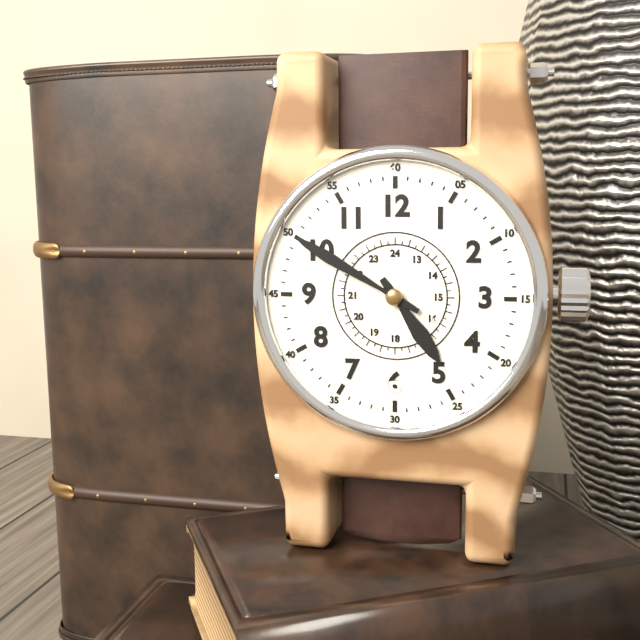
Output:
**4:50**
